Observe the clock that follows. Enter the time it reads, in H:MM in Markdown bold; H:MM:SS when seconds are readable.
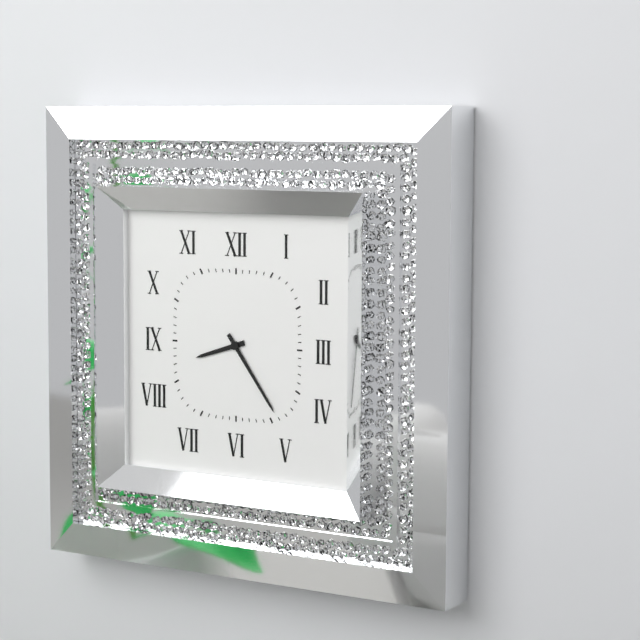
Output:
**8:24**
